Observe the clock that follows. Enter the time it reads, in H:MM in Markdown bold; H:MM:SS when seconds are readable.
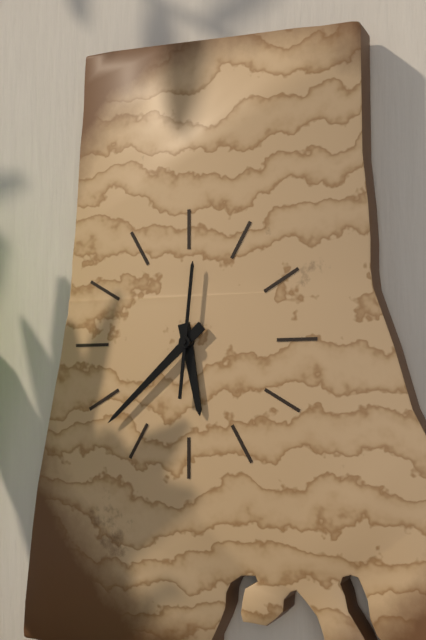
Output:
**5:38:01**
